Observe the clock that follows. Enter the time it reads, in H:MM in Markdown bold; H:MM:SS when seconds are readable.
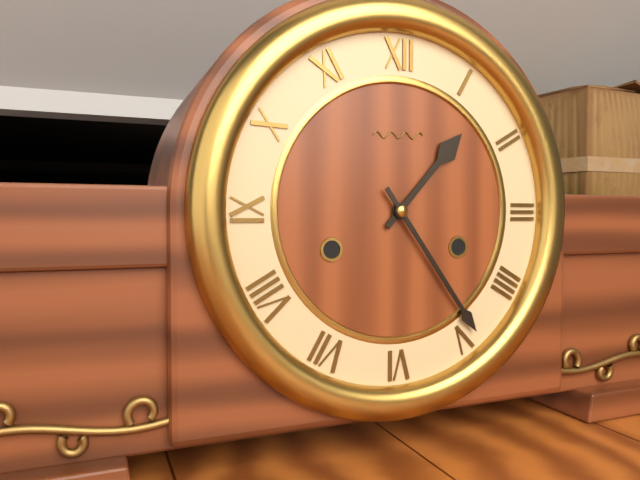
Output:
**1:24**
